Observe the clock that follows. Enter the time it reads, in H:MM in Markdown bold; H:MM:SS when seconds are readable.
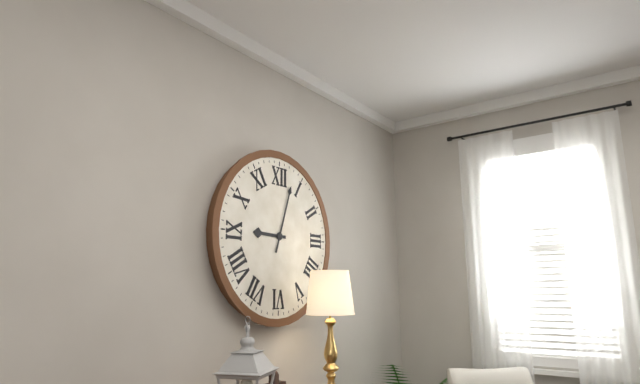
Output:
**9:03**
